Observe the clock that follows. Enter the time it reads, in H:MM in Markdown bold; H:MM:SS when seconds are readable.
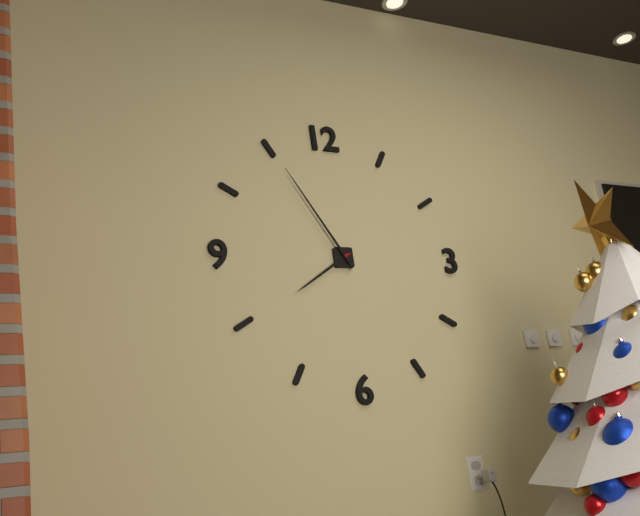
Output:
**7:55**
